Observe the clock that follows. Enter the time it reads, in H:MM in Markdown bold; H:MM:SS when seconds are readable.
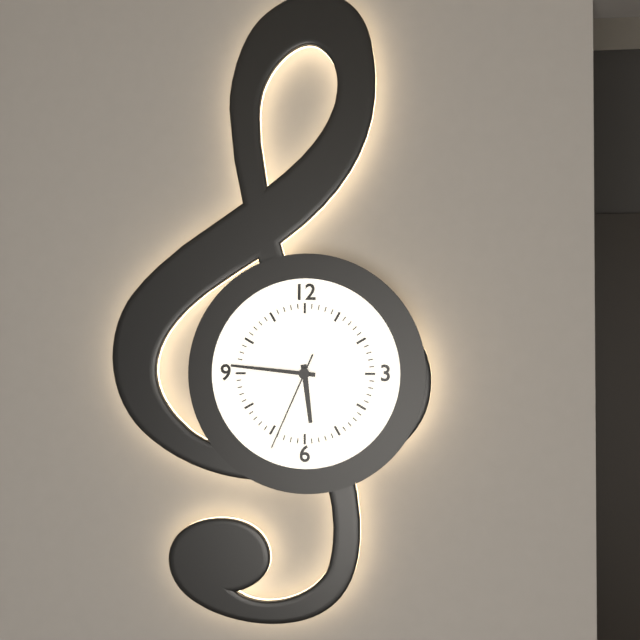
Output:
**5:46:34**
